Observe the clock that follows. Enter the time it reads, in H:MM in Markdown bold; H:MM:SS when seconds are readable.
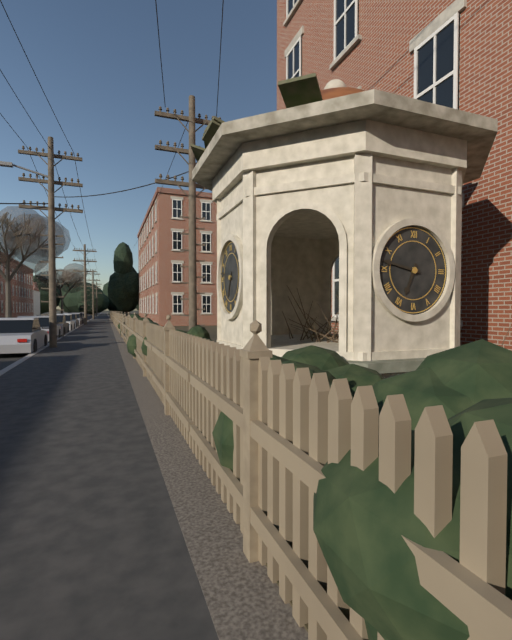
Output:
**6:47**
